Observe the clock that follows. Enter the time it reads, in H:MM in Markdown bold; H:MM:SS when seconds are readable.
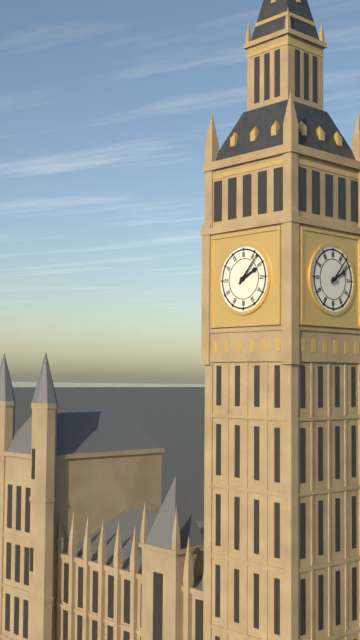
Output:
**2:07**
